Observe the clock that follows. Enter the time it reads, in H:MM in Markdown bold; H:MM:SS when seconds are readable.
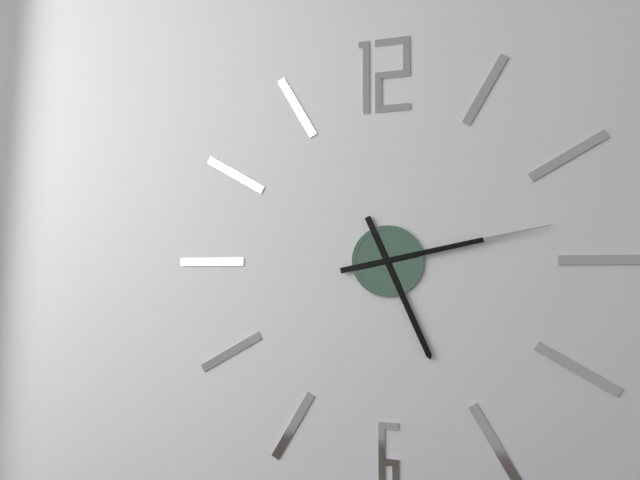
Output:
**5:13**
